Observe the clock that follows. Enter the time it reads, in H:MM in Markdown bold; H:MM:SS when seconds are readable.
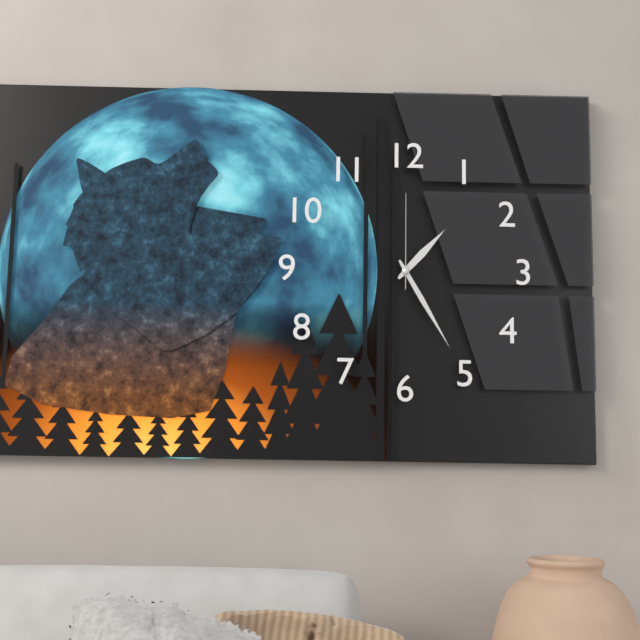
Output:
**1:25:00**
